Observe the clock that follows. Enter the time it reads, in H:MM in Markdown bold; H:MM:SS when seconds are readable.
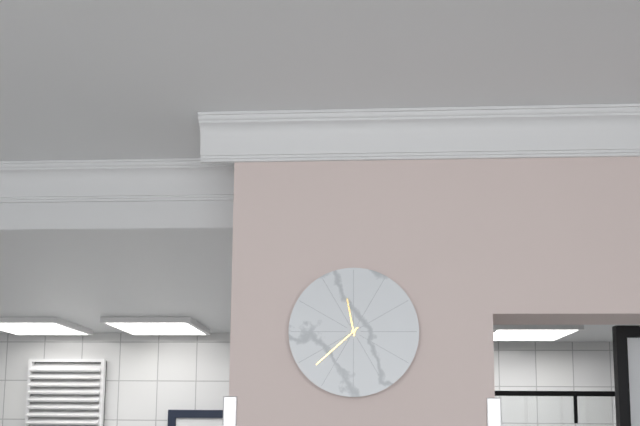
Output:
**11:38**
